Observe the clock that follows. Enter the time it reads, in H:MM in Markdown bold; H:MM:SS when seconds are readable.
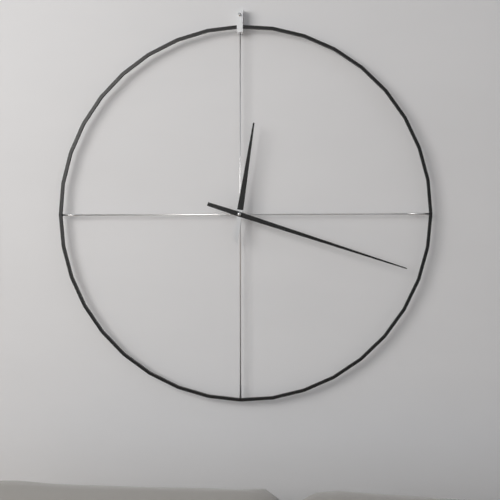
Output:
**12:18**
